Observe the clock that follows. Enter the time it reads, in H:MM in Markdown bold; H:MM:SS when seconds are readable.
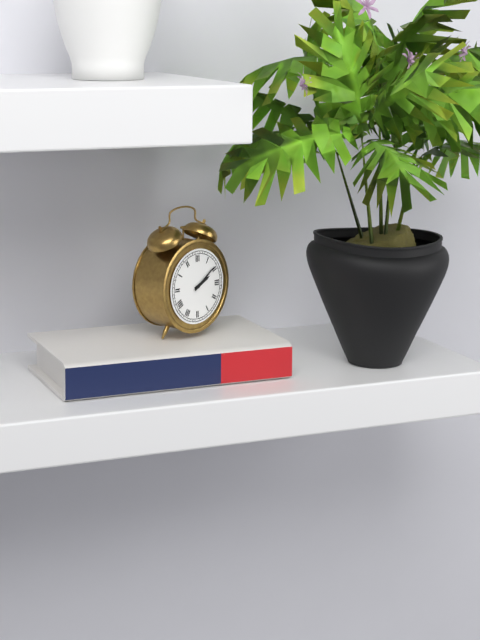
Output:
**2:09**
